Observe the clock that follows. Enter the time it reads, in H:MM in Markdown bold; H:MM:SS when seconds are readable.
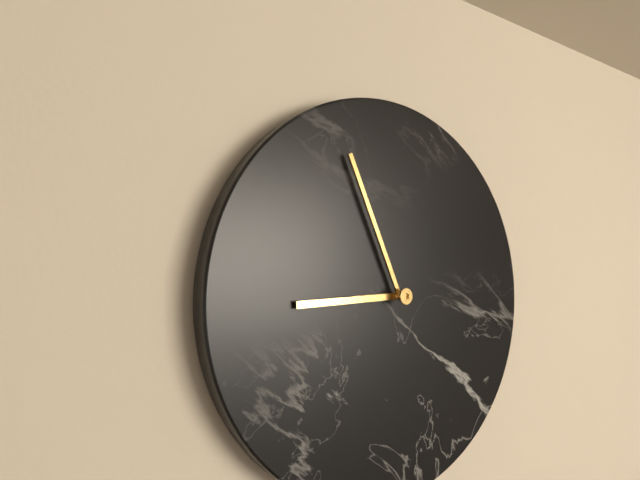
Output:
**8:56**
